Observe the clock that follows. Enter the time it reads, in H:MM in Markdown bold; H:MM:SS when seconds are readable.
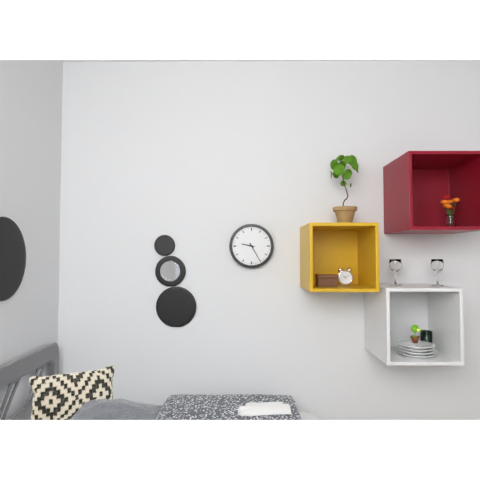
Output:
**9:25**
